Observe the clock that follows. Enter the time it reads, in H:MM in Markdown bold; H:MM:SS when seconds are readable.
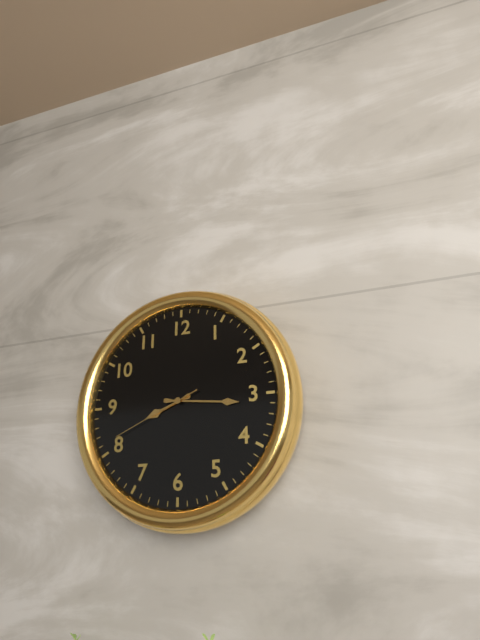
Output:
**8:16:41**
